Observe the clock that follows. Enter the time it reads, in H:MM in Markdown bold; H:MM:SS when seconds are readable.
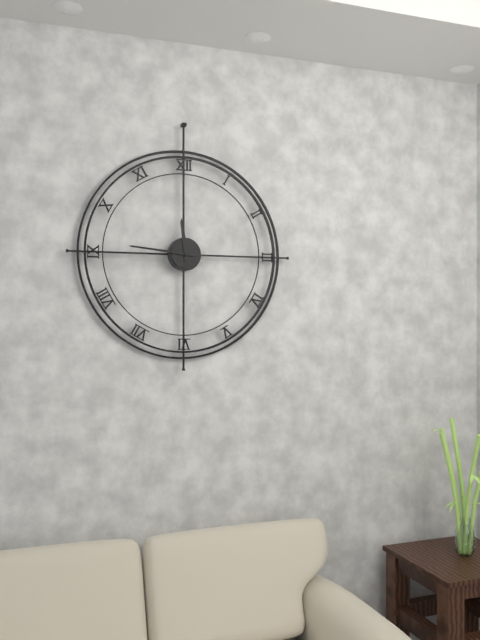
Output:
**11:46**
